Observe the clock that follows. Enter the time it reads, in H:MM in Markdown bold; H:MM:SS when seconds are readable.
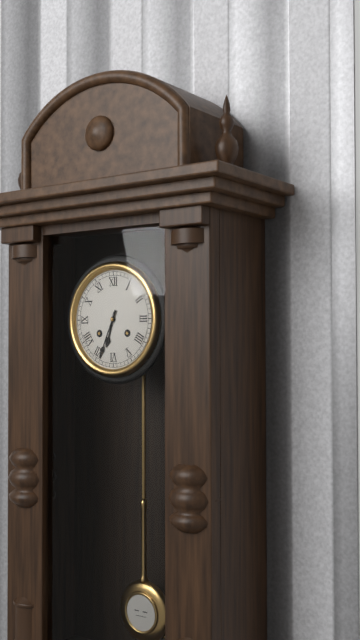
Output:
**6:34**
